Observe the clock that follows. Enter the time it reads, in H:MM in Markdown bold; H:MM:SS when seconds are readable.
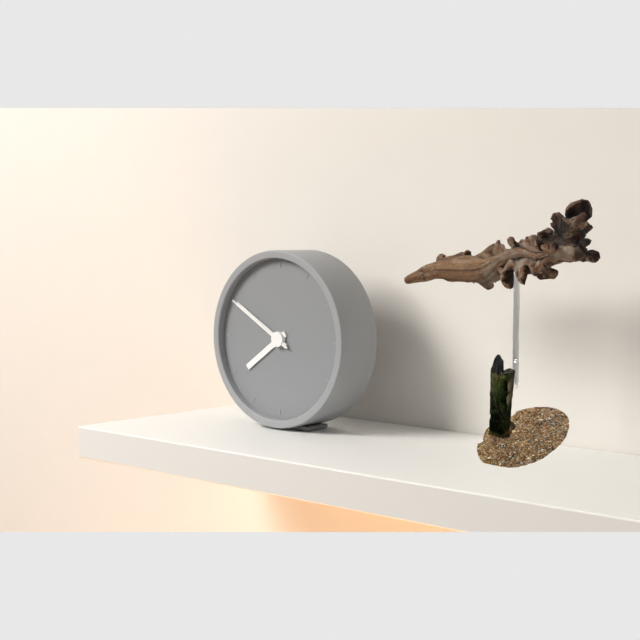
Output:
**7:50:50**
